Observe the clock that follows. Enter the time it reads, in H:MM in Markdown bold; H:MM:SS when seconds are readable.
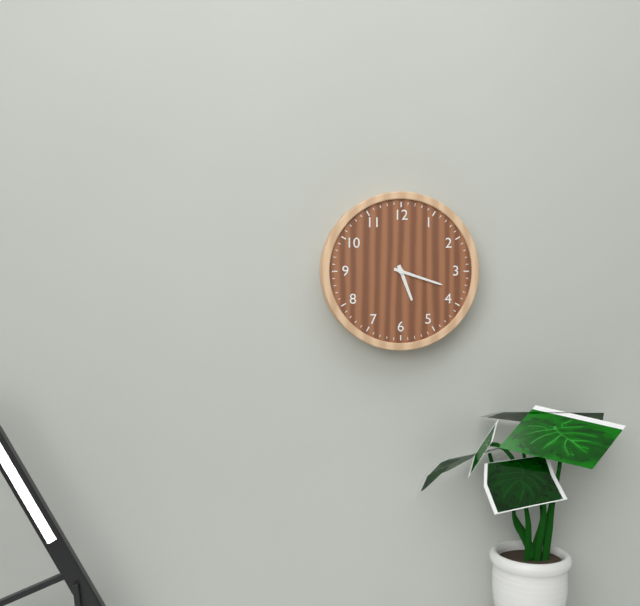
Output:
**5:18**
